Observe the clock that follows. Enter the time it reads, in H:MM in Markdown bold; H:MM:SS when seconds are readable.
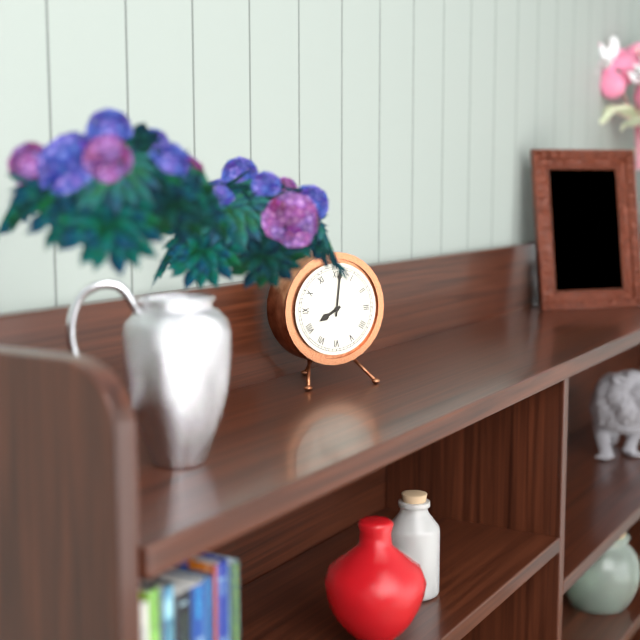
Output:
**8:01**
